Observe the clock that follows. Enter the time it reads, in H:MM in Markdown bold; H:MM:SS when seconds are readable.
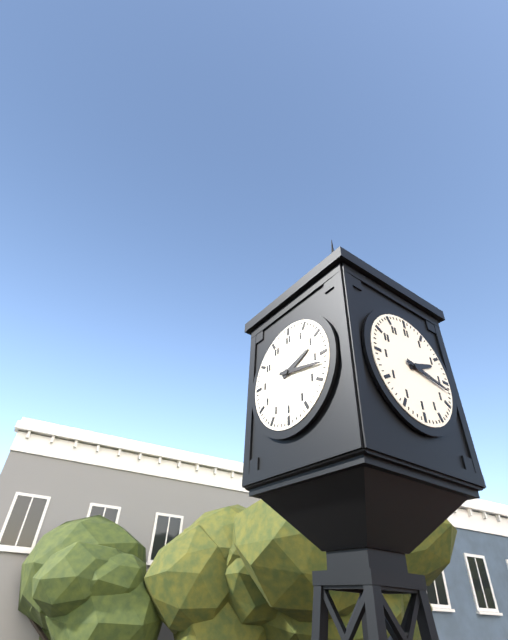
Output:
**2:17**
